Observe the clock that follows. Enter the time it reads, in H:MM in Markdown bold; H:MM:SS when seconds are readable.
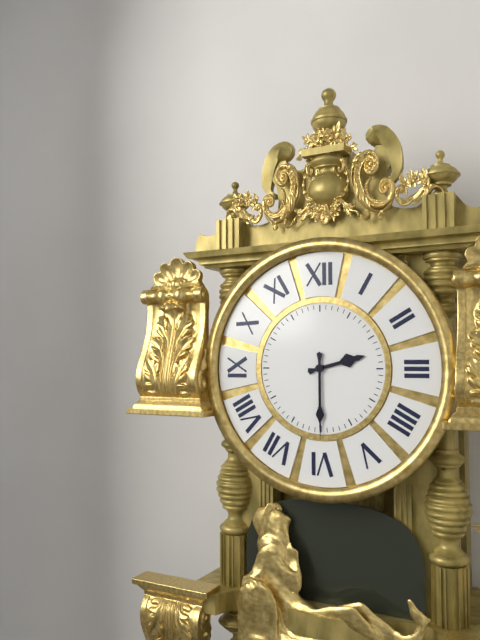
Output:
**2:30**
